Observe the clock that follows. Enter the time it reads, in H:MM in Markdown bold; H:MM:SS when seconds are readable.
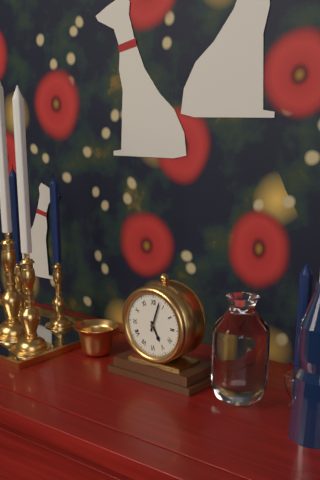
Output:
**5:03**
